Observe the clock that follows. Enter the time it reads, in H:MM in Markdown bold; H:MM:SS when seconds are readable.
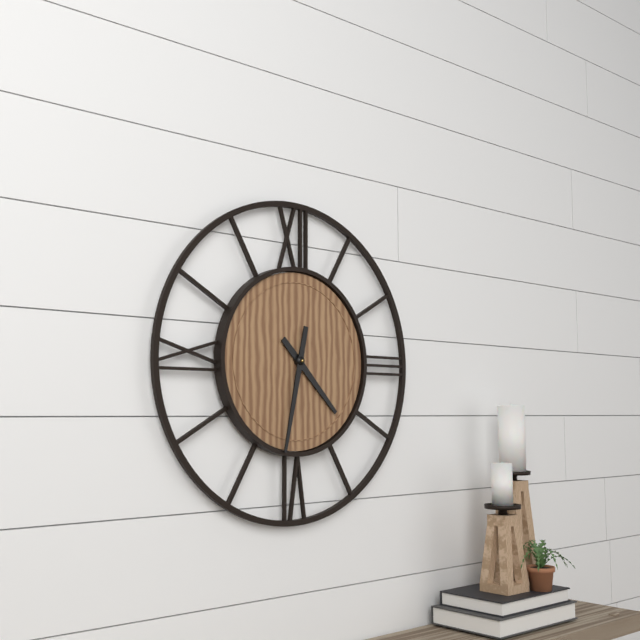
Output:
**4:32**
